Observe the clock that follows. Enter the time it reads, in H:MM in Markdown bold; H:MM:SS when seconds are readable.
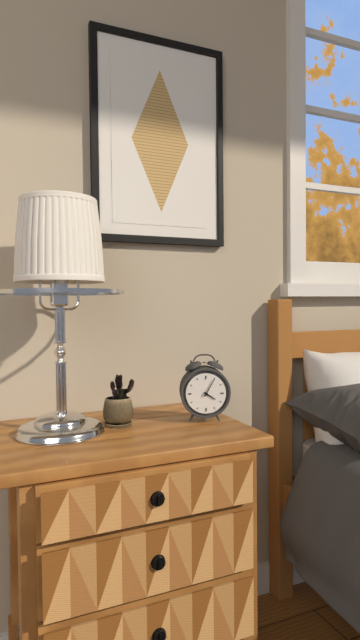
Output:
**4:05**
